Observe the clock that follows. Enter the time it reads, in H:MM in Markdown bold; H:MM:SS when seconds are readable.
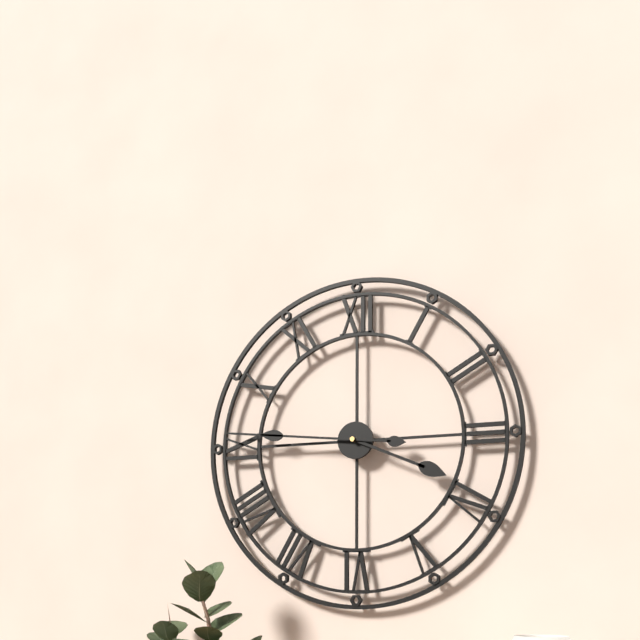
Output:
**3:46**
